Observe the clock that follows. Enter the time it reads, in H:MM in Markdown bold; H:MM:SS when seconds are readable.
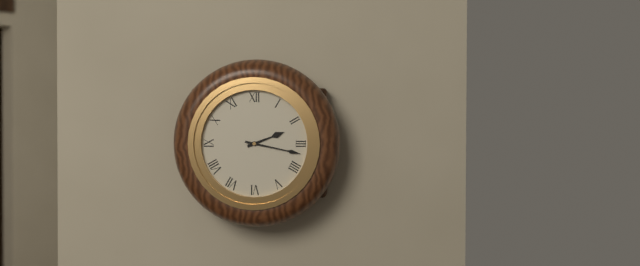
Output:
**2:17**
